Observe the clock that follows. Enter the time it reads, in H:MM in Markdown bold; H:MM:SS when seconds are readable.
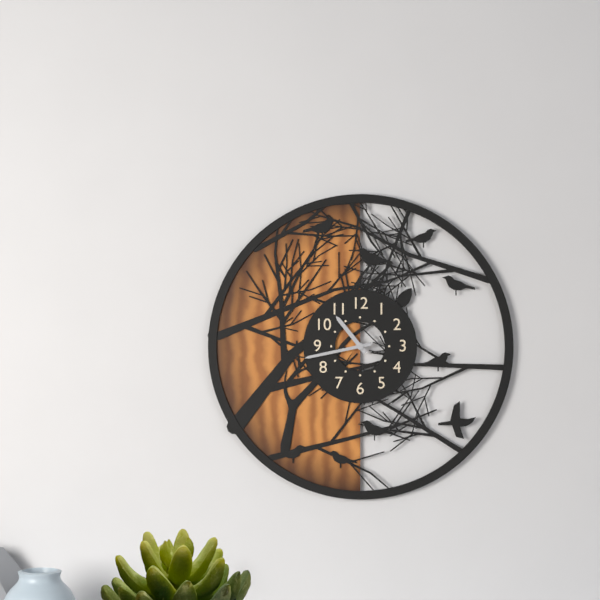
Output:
**10:43**
